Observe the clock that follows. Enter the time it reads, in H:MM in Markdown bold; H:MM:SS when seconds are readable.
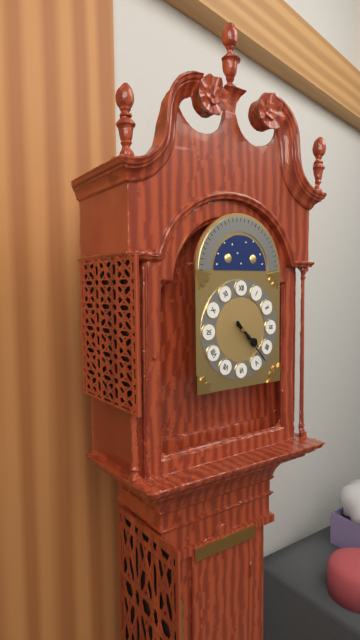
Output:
**4:23**
